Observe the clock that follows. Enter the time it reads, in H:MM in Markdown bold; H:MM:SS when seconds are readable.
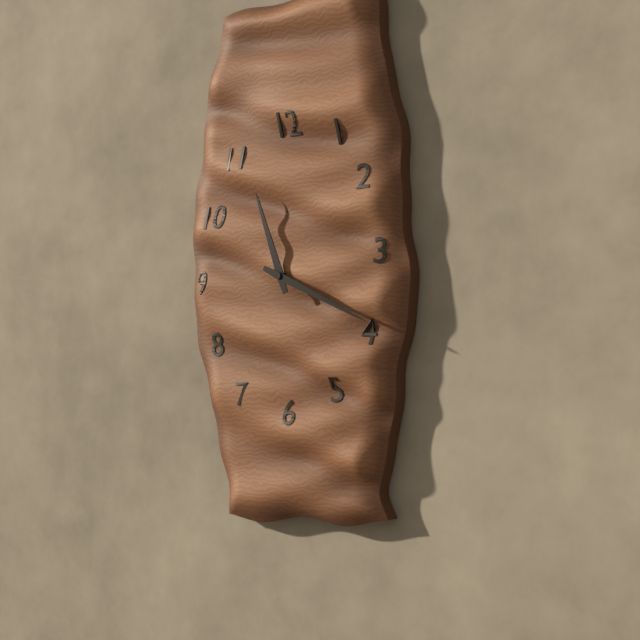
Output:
**11:19**
